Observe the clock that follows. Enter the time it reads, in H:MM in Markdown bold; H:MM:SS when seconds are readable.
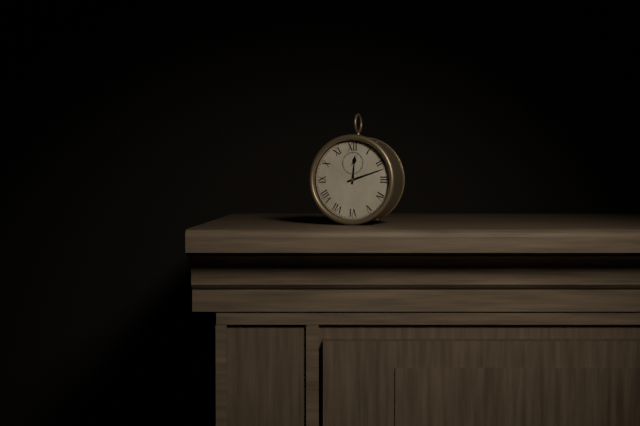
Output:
**12:12**
